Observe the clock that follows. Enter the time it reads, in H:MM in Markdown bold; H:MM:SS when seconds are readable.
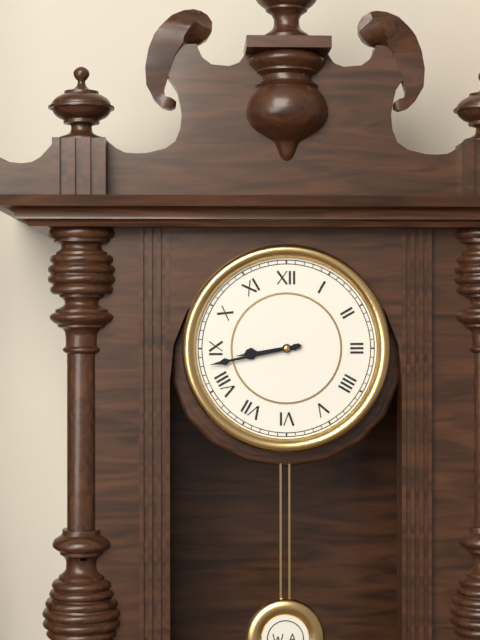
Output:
**8:43**
